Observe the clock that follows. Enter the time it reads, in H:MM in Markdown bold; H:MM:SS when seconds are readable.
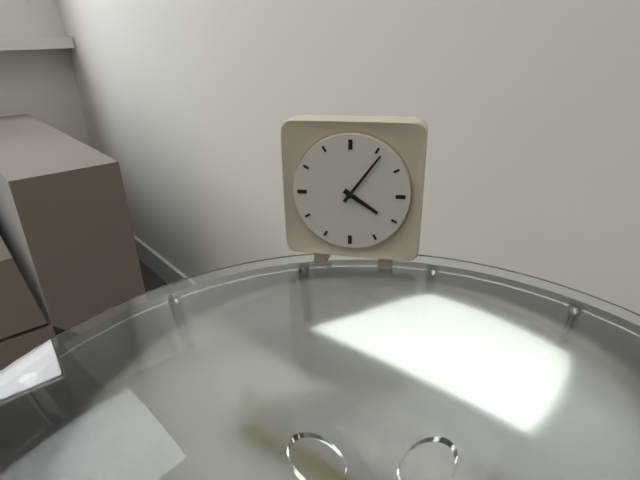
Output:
**4:06**
